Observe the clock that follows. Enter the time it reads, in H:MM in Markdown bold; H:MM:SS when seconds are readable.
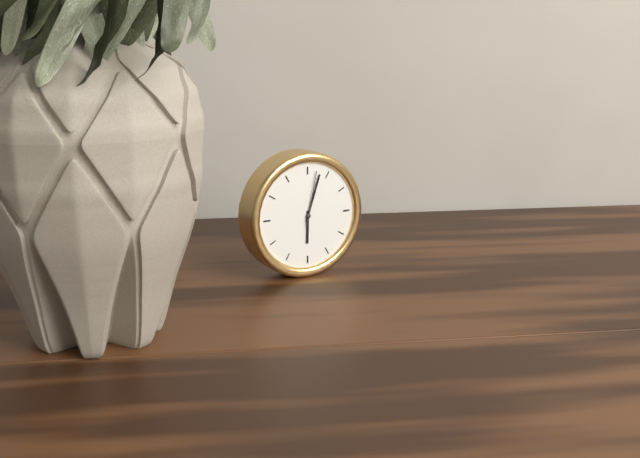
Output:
**6:03:02**
